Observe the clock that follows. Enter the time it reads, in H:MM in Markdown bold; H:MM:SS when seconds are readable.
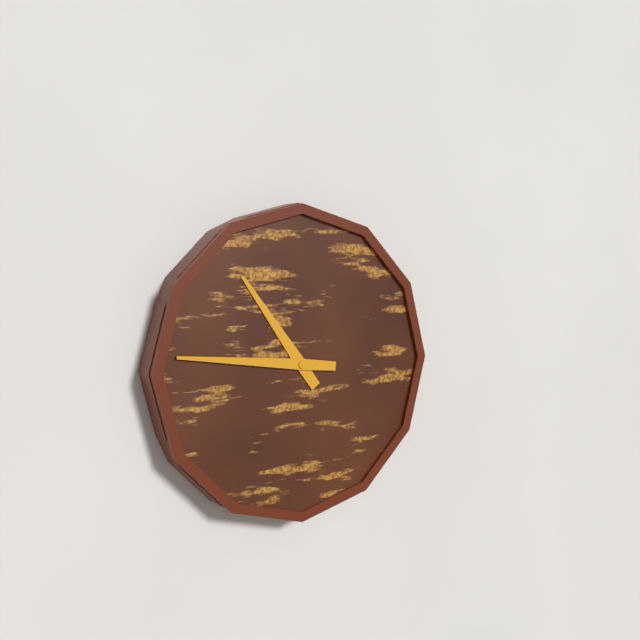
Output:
**10:46**
